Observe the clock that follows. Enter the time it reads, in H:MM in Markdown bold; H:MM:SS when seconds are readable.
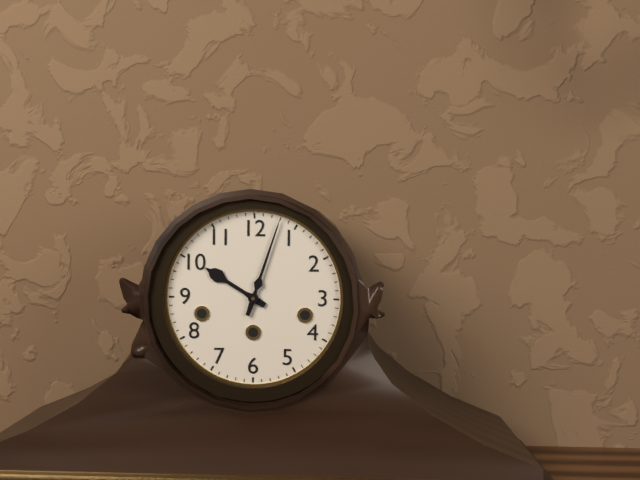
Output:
**10:03**
